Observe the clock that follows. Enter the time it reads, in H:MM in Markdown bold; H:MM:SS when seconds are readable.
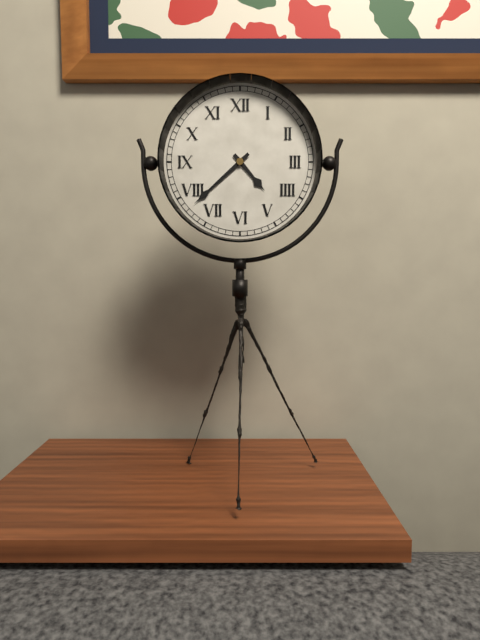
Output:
**4:38**
